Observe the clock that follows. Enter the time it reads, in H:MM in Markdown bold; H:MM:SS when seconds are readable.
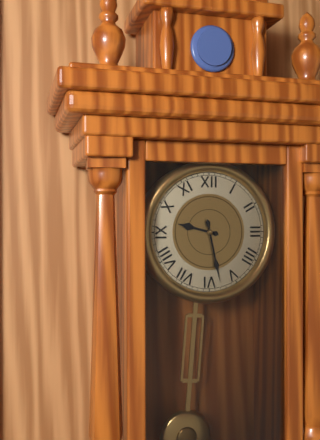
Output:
**9:28**
